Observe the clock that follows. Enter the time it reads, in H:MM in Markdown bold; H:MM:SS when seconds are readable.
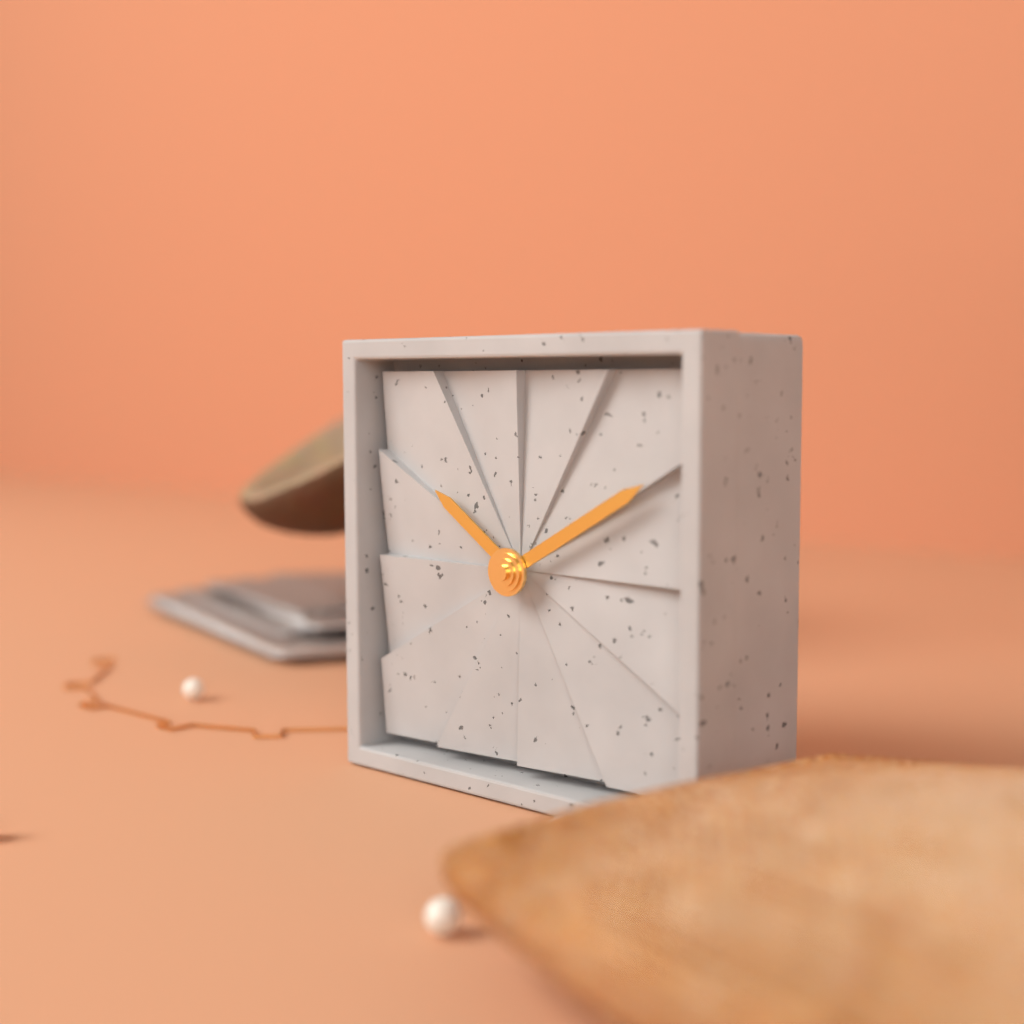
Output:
**10:10**
